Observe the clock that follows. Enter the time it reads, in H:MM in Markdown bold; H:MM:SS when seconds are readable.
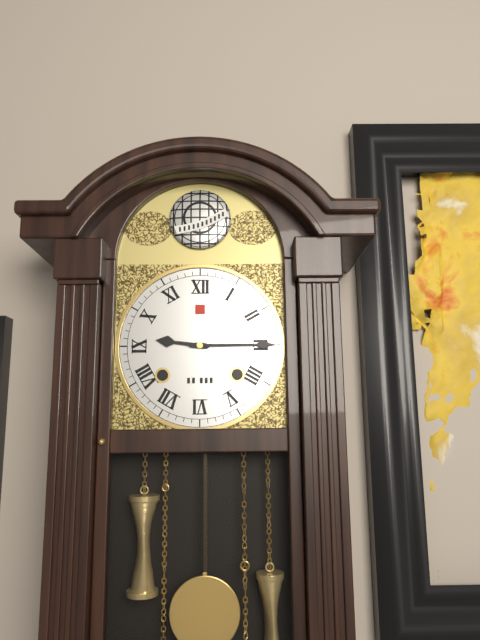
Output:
**9:15**
